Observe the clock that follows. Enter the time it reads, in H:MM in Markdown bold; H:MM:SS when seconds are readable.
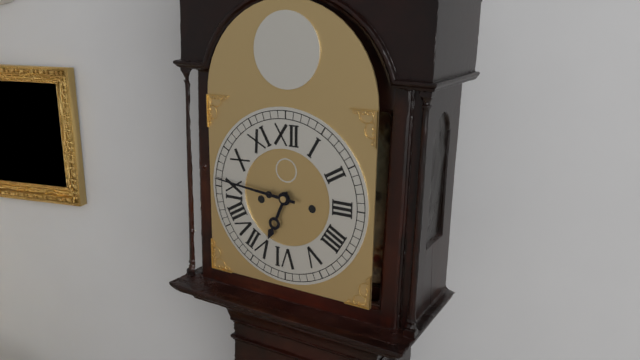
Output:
**6:46**
